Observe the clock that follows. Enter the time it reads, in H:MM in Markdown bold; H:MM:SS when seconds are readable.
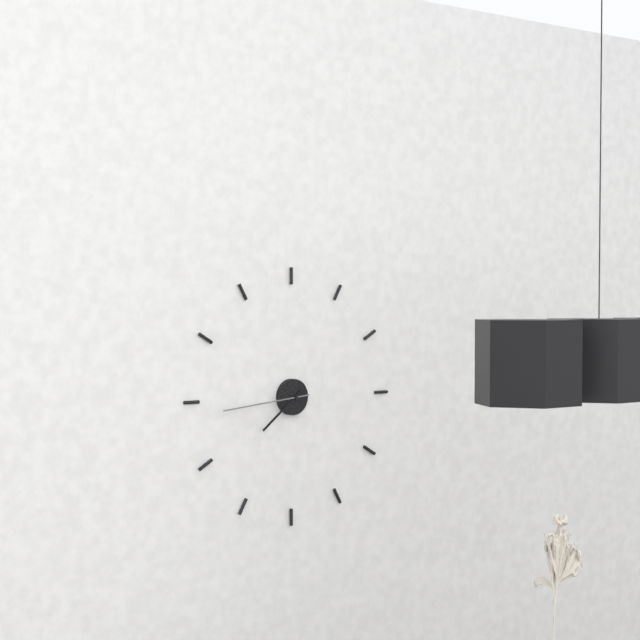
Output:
**7:44**
